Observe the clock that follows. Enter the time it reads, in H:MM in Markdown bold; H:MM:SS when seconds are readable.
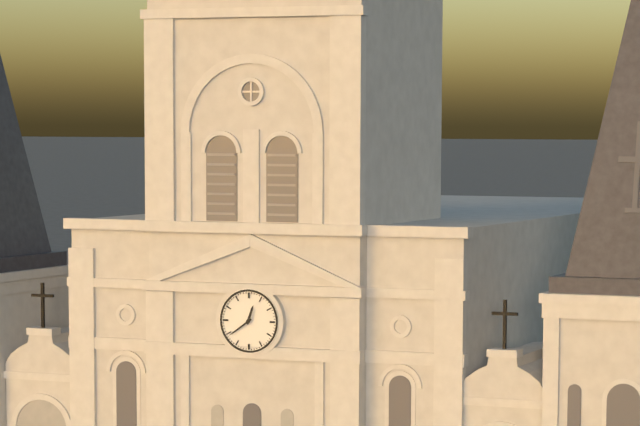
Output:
**12:39**
